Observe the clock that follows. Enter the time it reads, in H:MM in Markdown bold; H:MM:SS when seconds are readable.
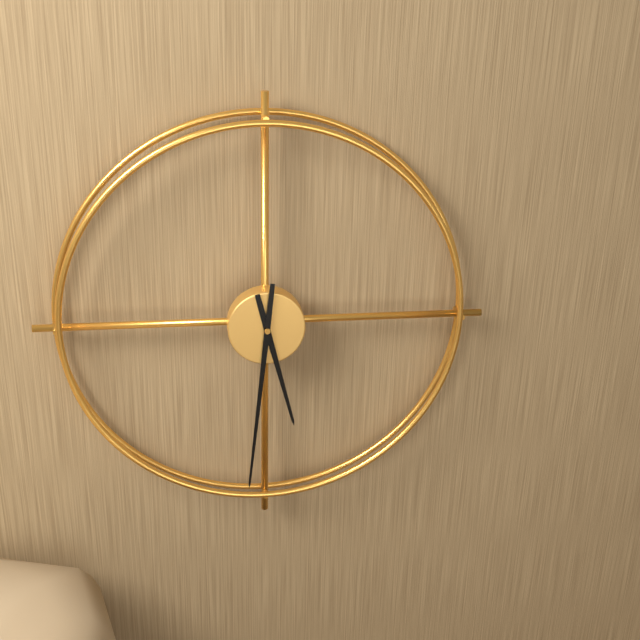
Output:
**5:31**
